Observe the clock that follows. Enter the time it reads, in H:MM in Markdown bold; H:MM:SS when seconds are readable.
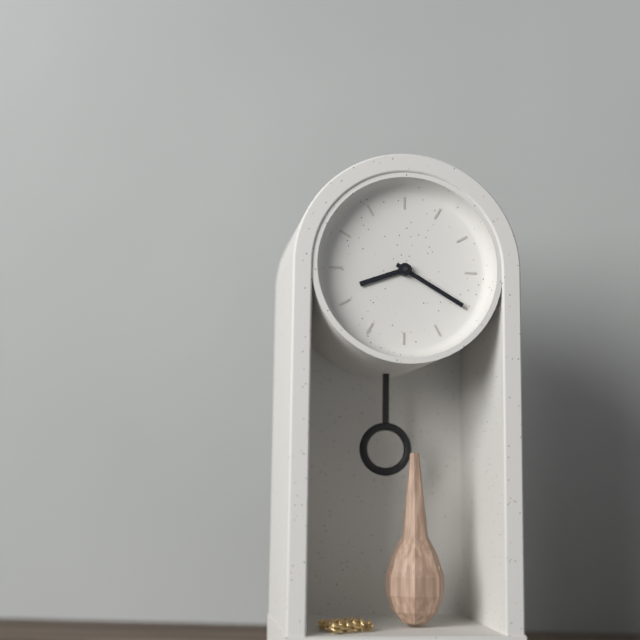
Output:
**8:20**
